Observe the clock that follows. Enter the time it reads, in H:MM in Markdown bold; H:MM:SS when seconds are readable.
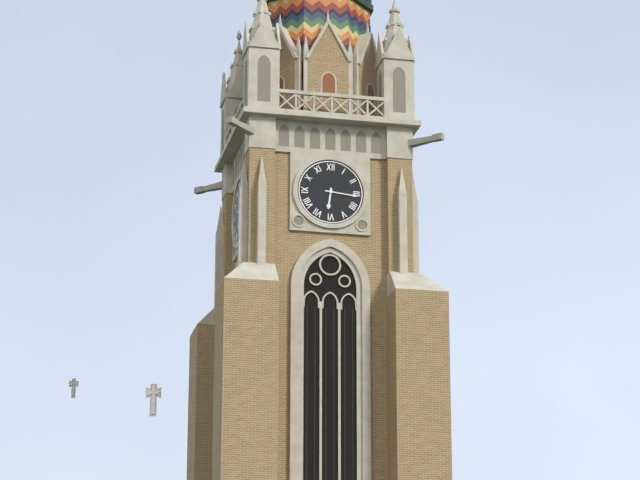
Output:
**6:16**
